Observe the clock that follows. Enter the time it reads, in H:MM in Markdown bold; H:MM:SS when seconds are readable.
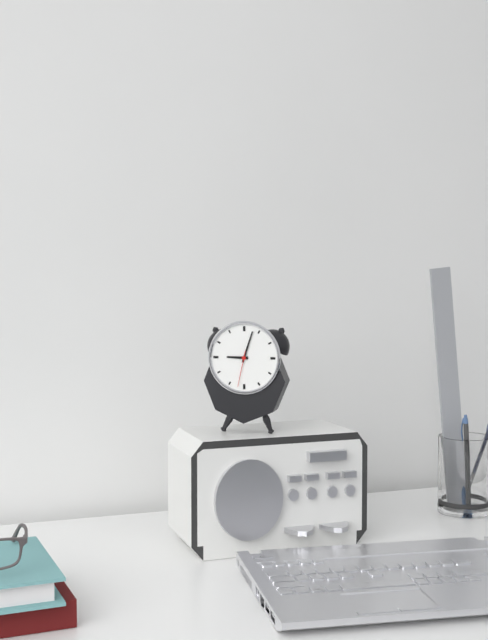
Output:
**9:03**
